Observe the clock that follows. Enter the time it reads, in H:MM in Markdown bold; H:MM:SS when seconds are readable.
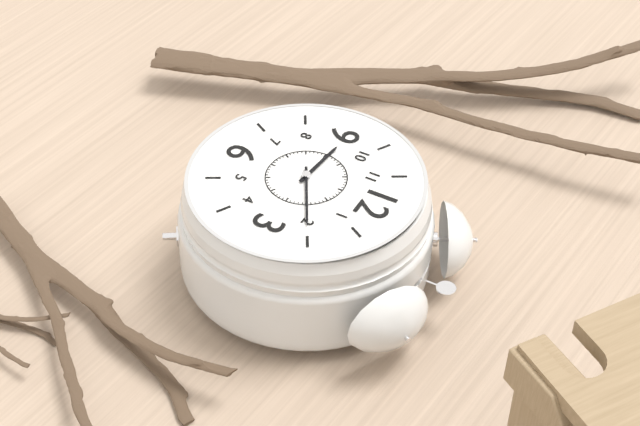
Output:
**9:10**
